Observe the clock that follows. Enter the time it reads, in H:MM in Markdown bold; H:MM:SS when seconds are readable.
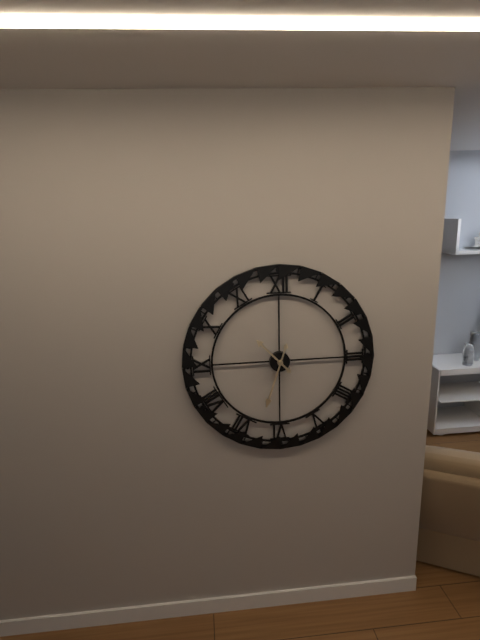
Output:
**10:33**
